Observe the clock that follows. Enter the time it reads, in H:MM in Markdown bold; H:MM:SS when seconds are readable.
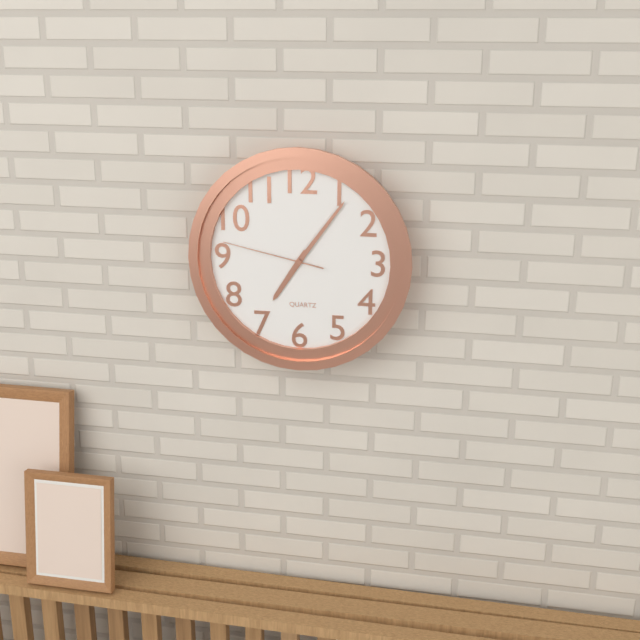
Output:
**7:06:47**
